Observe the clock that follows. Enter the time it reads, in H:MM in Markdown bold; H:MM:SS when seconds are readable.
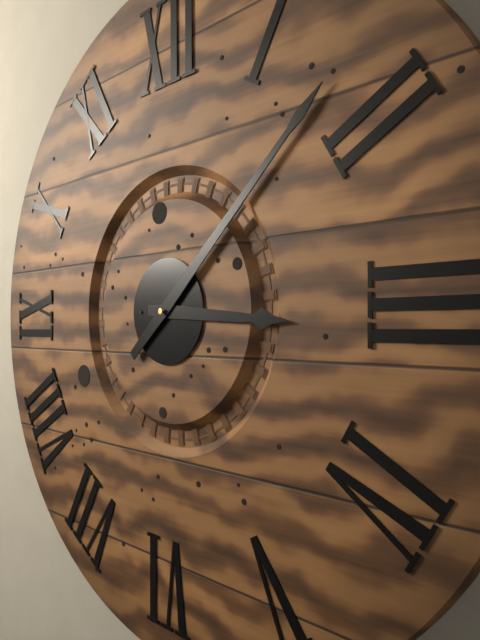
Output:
**3:08**
